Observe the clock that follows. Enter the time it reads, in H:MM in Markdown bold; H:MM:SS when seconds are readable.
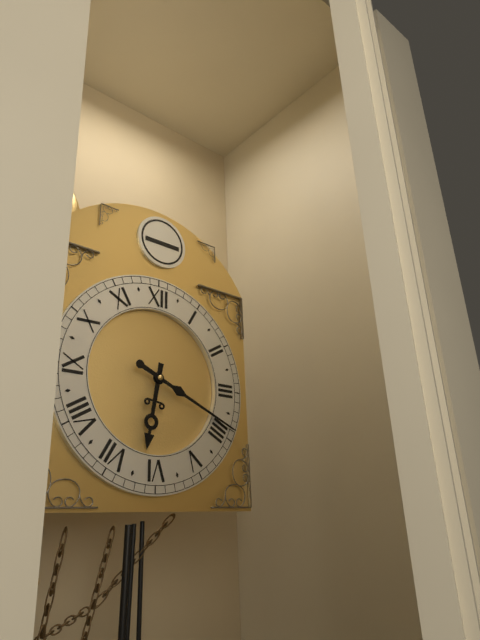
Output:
**6:19**
